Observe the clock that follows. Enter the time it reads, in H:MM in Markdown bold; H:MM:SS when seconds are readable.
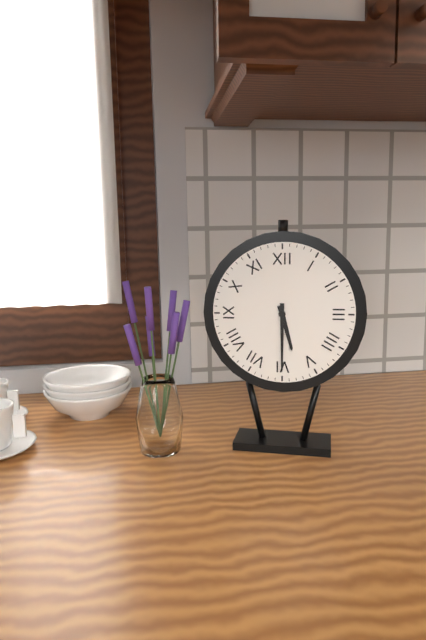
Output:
**5:30**
